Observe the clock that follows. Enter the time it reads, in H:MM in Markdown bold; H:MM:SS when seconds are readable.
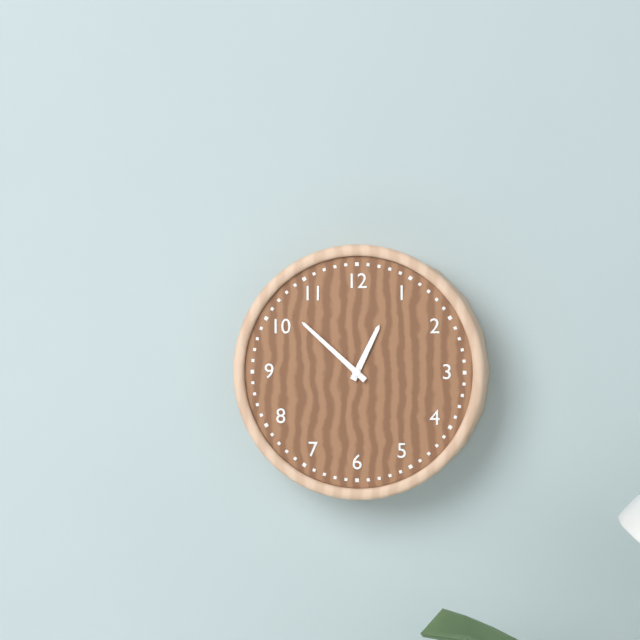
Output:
**12:52**
